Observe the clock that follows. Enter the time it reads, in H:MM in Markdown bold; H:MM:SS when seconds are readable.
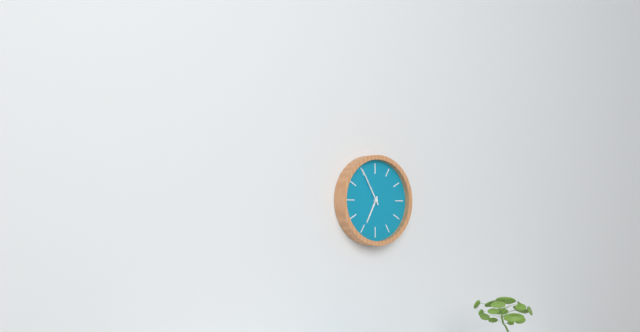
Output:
**6:55**
